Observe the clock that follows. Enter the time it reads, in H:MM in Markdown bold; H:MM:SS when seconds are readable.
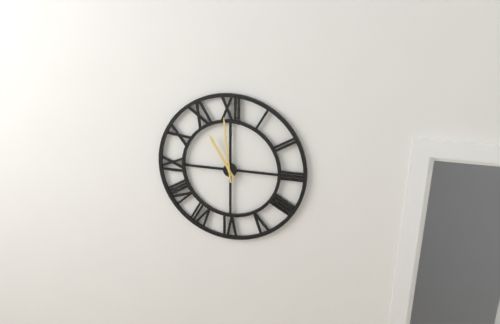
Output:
**10:59**
